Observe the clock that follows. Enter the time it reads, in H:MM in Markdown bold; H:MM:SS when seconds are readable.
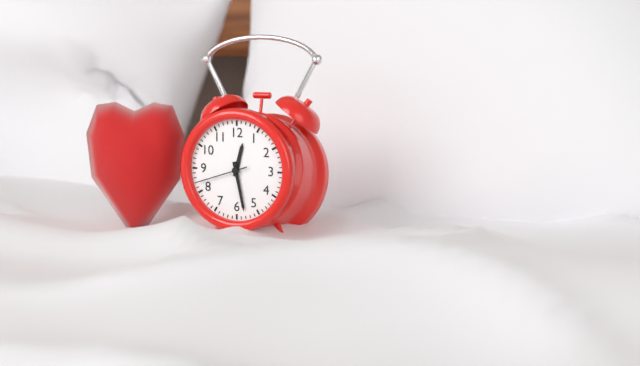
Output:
**12:28:42**
